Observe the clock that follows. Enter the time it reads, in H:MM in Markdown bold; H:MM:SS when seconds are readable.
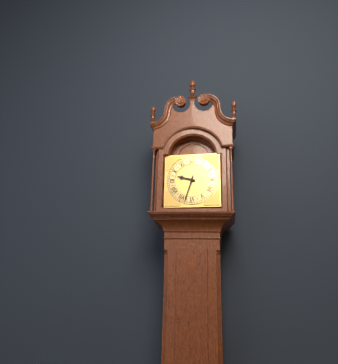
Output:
**9:33**
